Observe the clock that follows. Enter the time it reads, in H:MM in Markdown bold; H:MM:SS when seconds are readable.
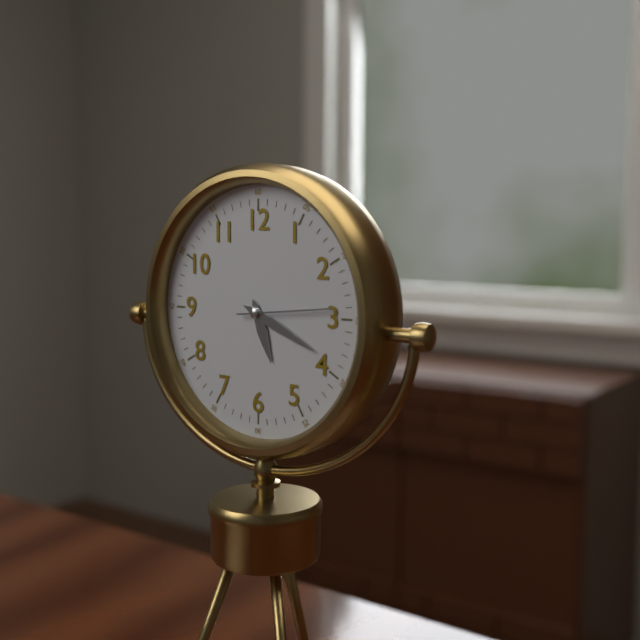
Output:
**5:19:14**
